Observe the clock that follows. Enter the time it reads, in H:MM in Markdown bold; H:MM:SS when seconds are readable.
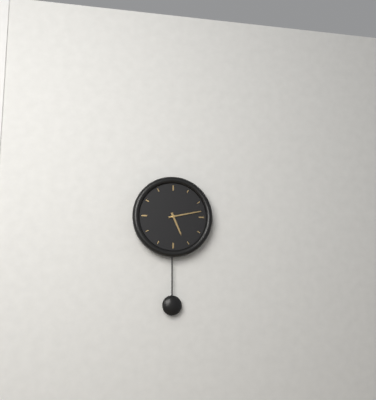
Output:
**5:13**
